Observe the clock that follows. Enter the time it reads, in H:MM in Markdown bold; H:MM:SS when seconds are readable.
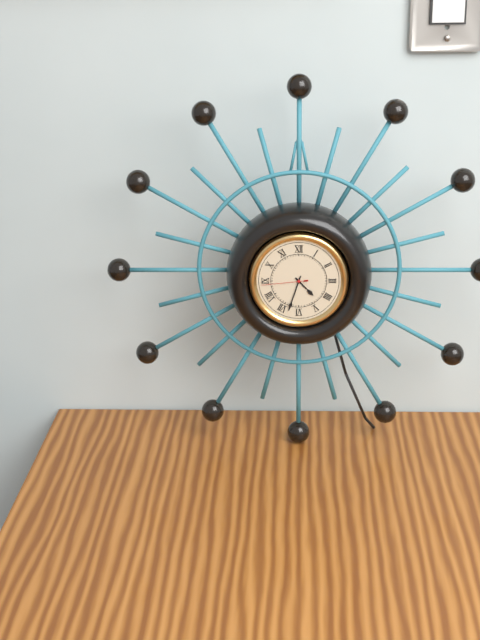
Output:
**4:33**
